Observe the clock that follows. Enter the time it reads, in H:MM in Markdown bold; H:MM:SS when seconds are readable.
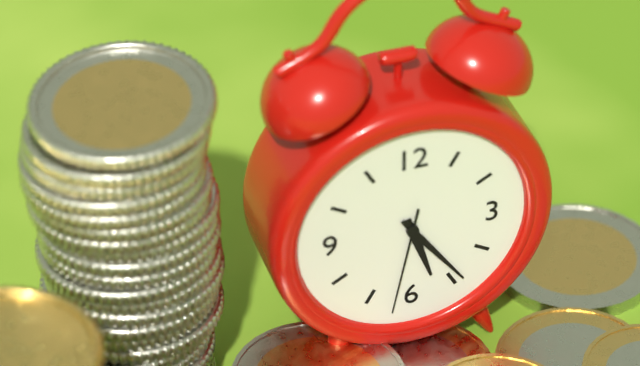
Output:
**5:24:32**
